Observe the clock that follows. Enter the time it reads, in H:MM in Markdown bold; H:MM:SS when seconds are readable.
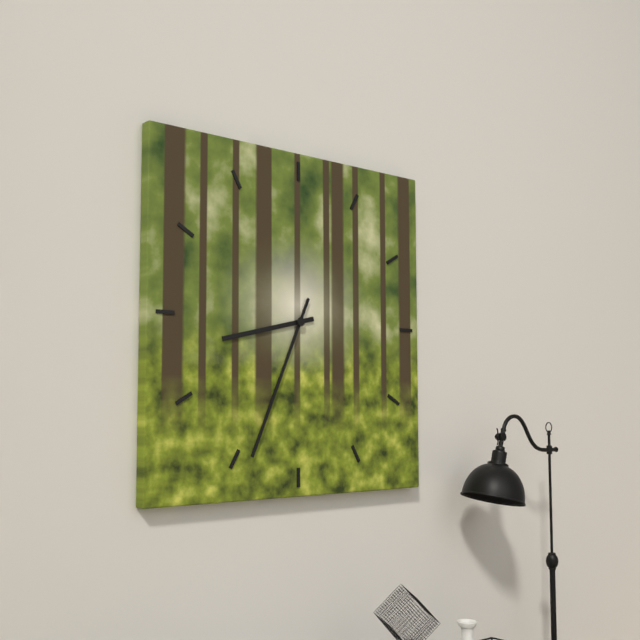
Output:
**8:34**
